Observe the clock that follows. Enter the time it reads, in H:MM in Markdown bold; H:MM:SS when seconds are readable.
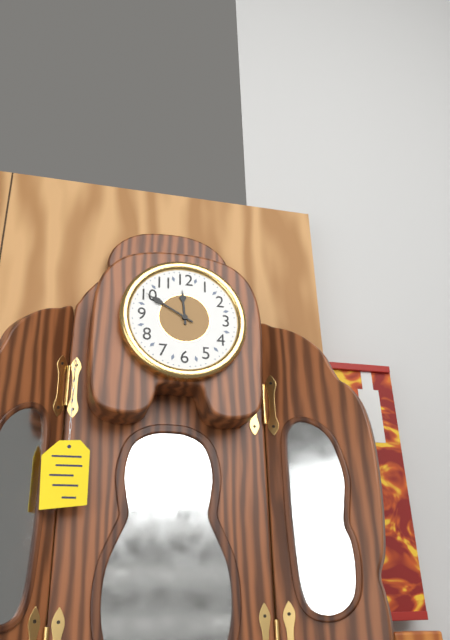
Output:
**11:50**
